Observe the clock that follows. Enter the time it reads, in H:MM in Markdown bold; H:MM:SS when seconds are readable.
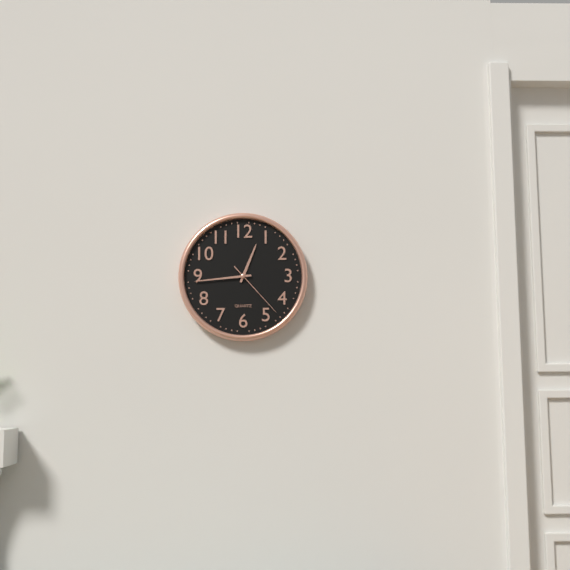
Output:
**12:44:23**
